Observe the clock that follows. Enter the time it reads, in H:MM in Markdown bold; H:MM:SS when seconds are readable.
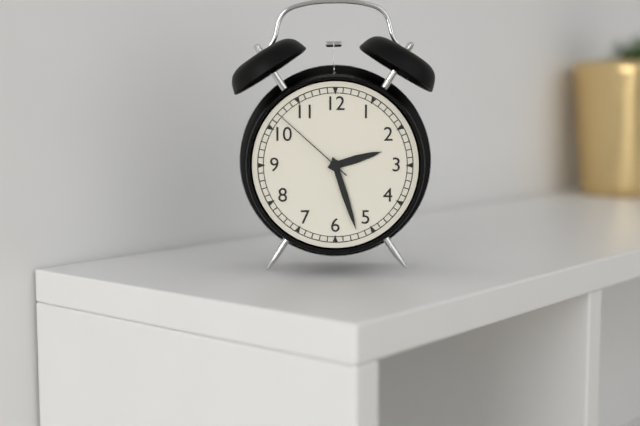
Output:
**2:27:52**
